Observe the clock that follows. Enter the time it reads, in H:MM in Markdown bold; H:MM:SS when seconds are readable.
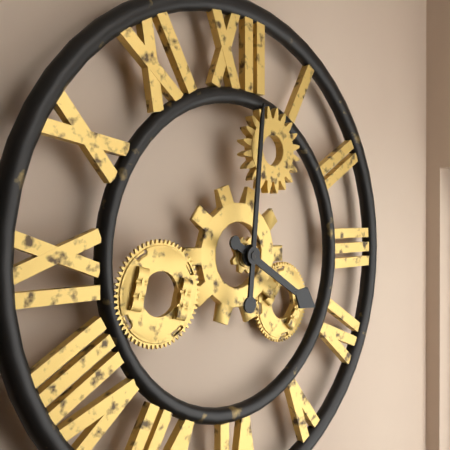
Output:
**4:01**
